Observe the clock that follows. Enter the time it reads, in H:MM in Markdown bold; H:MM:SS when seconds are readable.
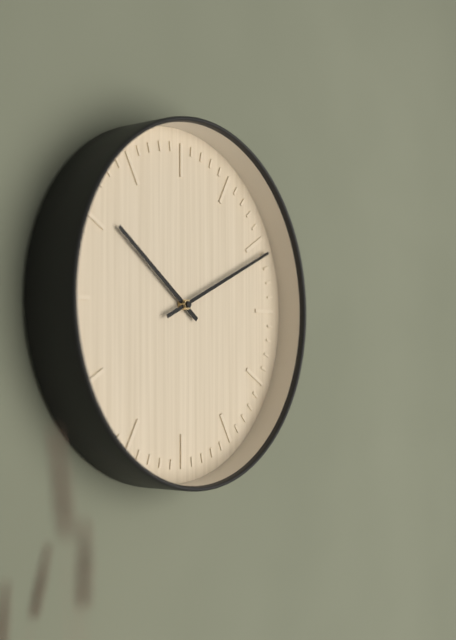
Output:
**10:11**
